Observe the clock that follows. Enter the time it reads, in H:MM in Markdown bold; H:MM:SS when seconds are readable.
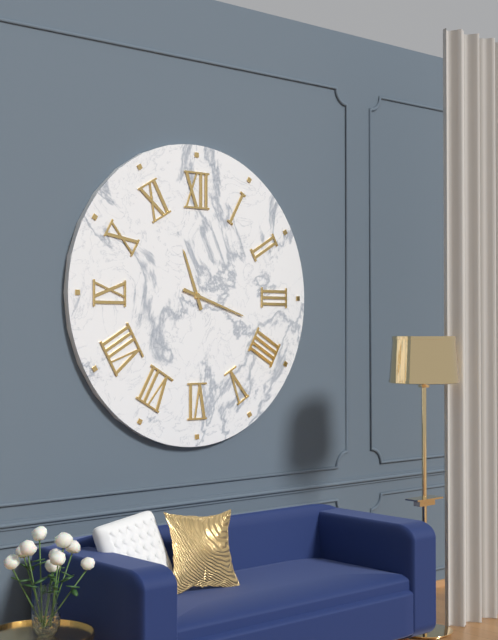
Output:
**11:18**
